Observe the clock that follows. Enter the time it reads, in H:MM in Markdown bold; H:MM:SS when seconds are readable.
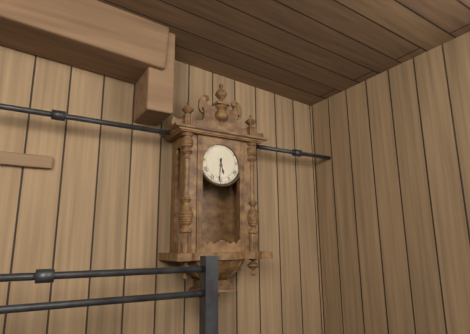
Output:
**5:31**
